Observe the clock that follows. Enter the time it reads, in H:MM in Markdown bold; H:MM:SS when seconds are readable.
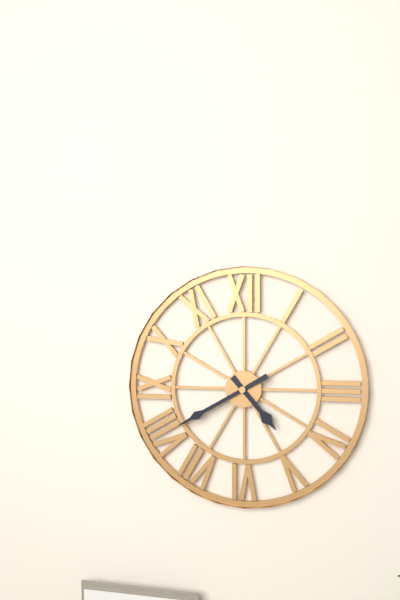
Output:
**4:40**
